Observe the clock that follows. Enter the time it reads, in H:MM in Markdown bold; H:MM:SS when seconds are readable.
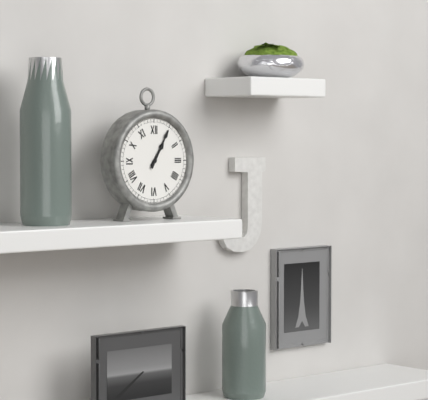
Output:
**1:05**
